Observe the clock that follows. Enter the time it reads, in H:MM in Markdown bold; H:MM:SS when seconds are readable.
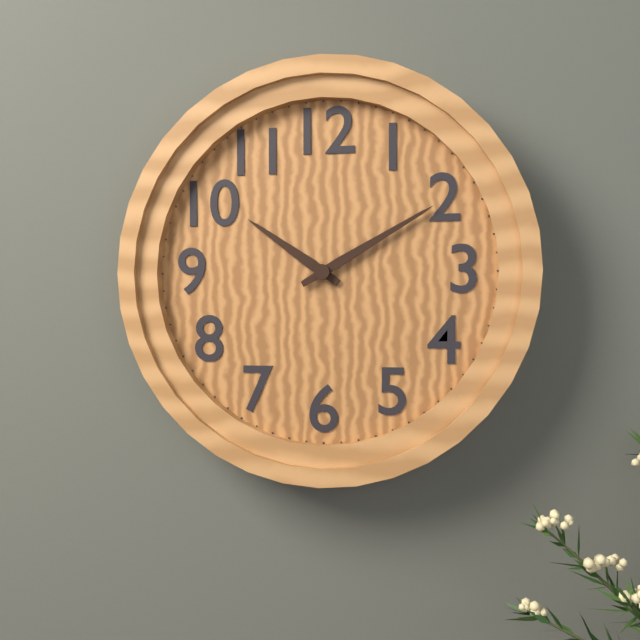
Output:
**10:10**
